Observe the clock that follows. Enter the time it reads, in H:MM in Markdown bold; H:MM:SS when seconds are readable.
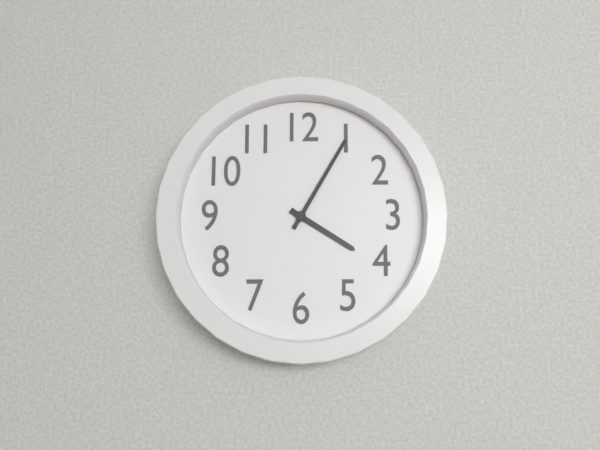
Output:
**4:05**
